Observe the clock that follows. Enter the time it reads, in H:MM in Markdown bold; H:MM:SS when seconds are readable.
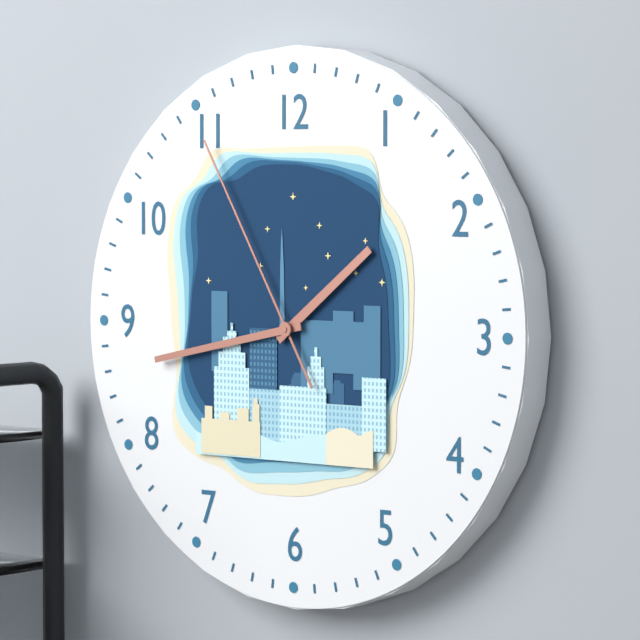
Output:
**1:43:55**
